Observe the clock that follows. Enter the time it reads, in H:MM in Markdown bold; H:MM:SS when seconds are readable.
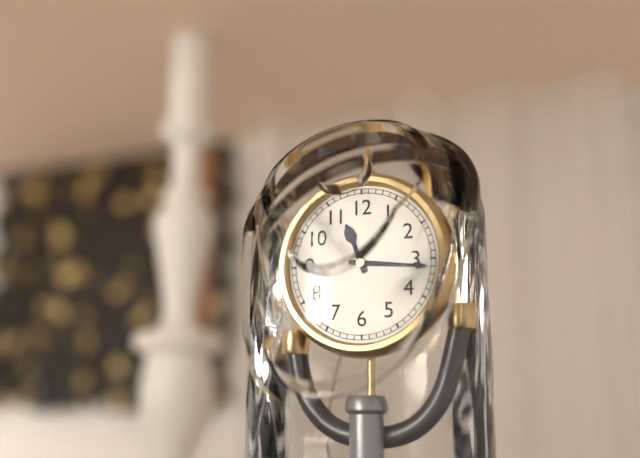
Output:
**11:16**
